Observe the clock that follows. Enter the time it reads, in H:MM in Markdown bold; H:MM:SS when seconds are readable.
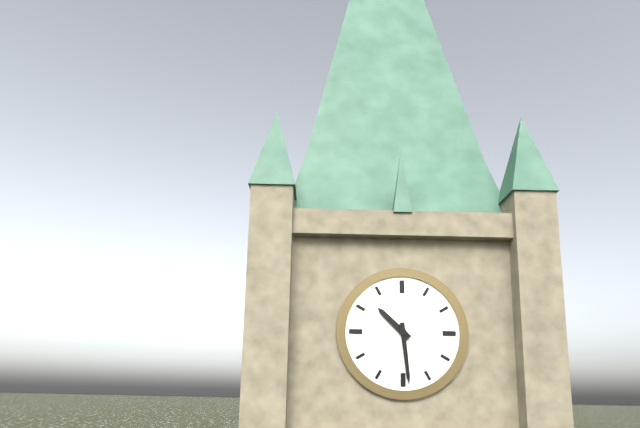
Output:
**10:29**
